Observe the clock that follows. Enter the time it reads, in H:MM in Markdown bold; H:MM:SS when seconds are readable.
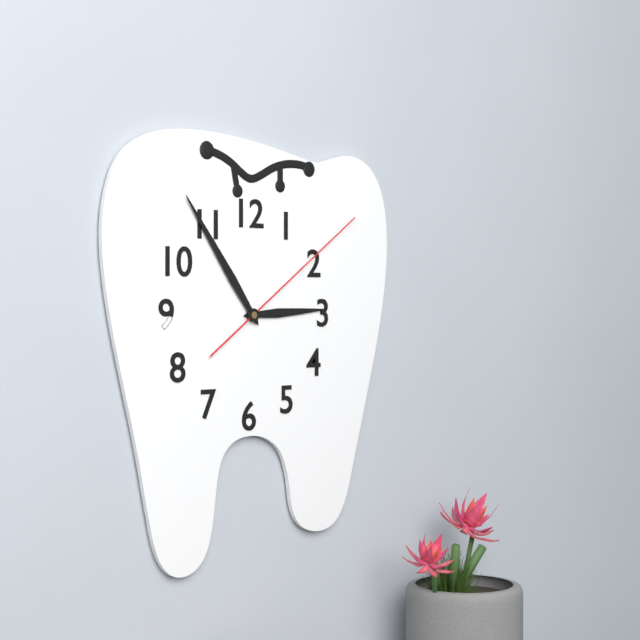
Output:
**2:54:09**
